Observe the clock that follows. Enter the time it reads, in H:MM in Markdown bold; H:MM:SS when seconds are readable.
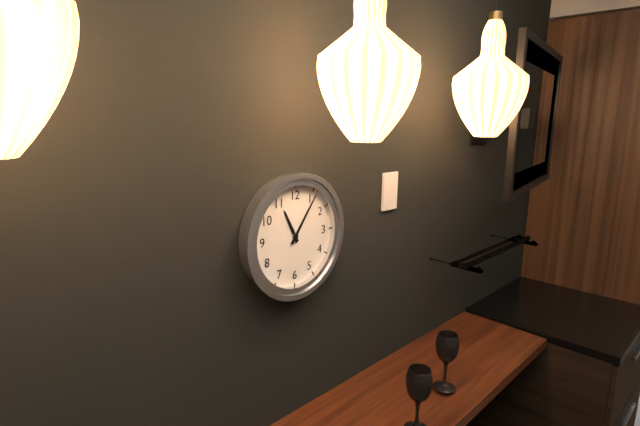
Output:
**11:06**
